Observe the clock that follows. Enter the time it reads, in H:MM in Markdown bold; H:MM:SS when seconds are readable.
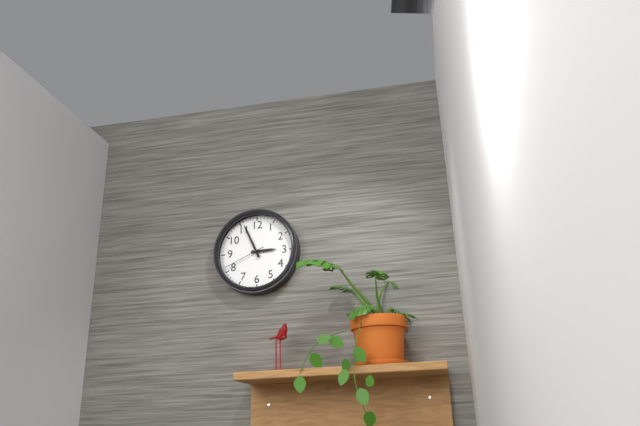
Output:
**2:56**
